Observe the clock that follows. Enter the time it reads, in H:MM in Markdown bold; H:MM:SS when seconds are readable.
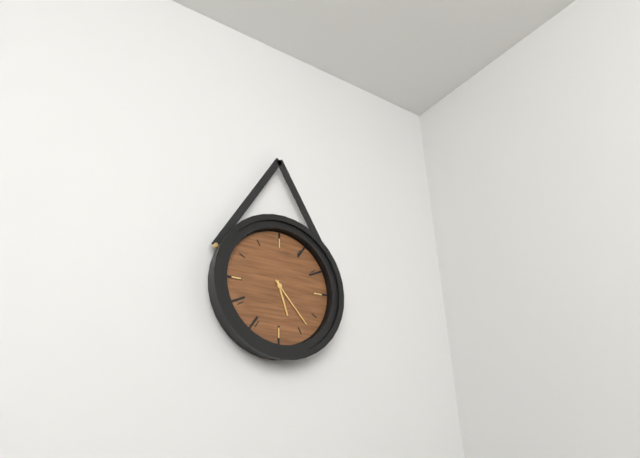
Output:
**5:23**
